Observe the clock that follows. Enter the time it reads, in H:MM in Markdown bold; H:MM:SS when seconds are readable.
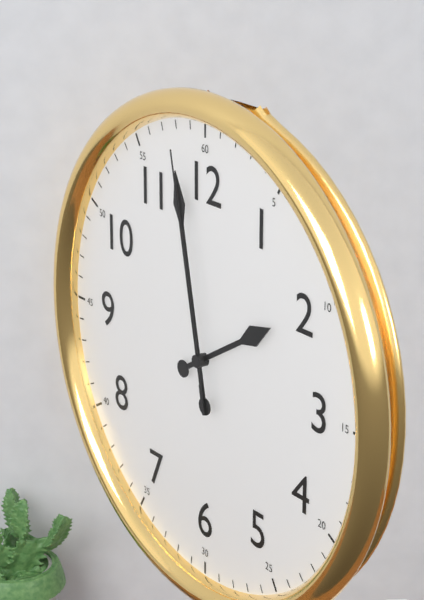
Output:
**1:58:58**
